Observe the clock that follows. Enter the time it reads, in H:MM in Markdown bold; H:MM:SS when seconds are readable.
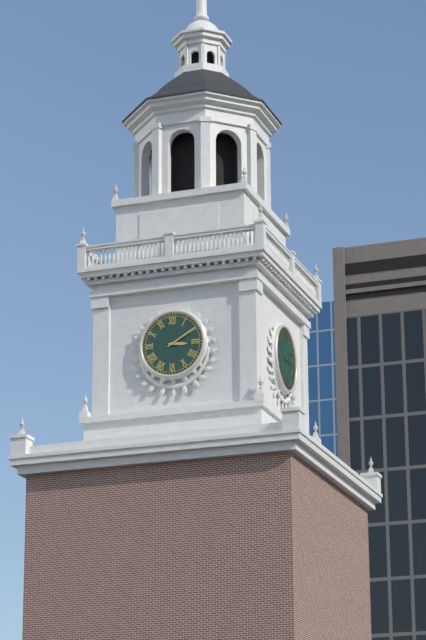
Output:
**3:10**
